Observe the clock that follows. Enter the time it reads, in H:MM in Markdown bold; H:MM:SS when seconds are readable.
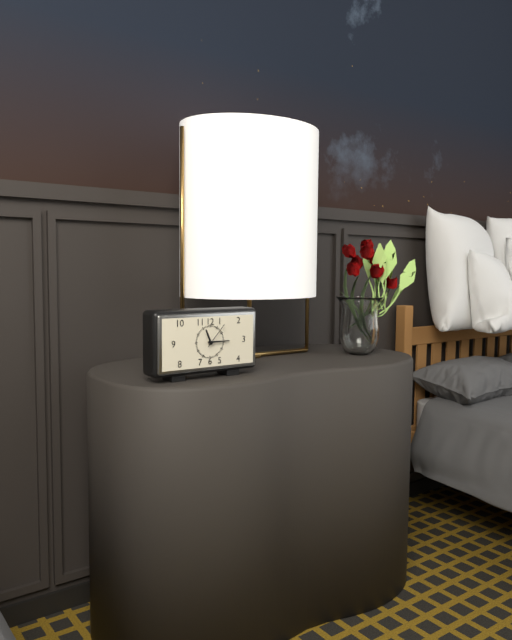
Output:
**11:15**
